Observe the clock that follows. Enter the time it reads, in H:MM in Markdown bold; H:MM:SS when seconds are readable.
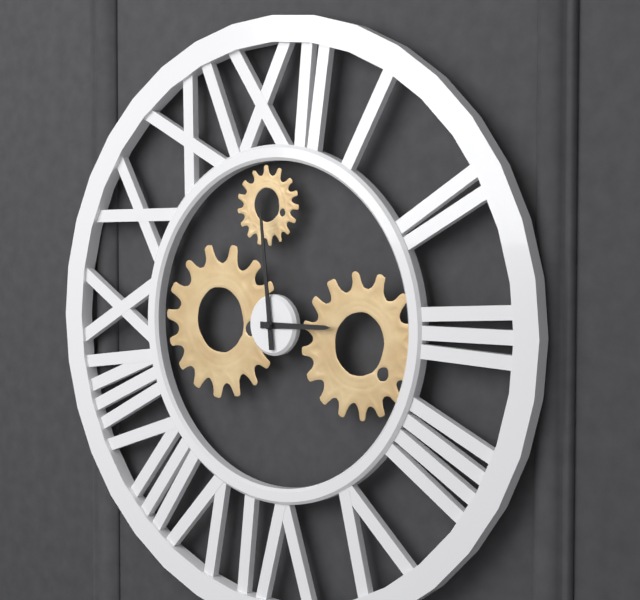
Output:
**2:59**
